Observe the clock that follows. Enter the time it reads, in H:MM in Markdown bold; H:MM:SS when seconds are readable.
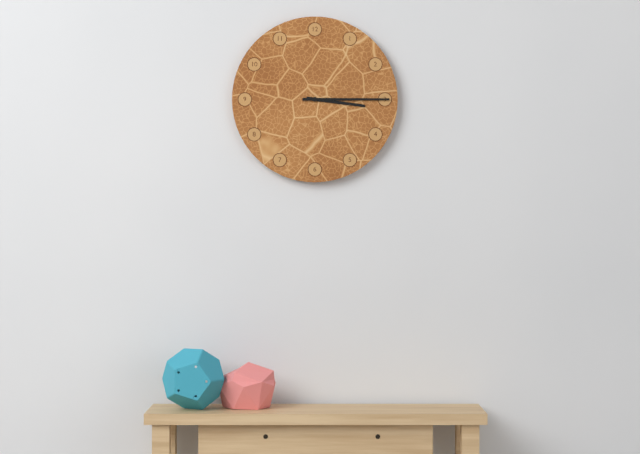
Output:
**3:15**
